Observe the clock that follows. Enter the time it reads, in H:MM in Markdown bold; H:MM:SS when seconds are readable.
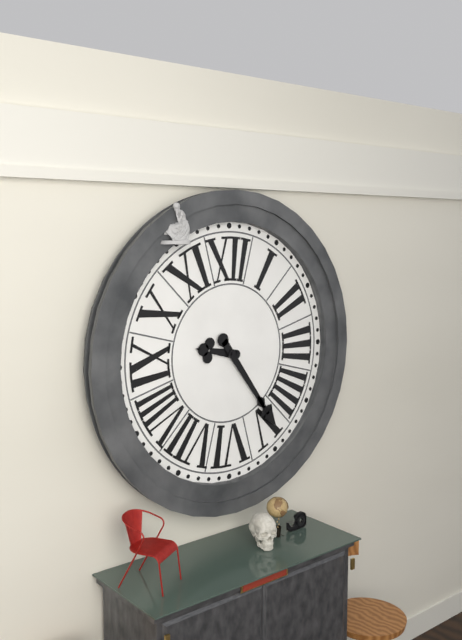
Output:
**9:24**
